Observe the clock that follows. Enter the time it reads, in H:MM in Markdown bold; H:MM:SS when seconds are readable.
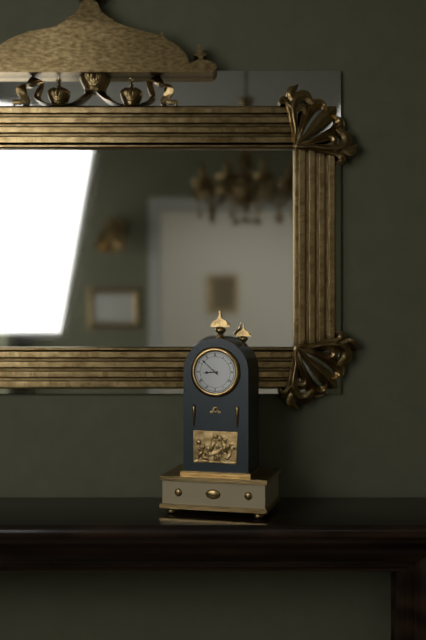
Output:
**8:52**
